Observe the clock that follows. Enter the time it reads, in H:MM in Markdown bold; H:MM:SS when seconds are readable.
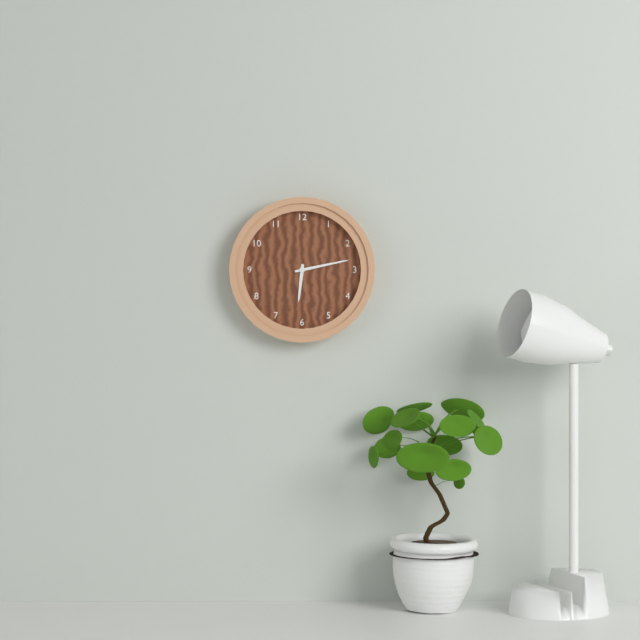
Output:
**6:13**
